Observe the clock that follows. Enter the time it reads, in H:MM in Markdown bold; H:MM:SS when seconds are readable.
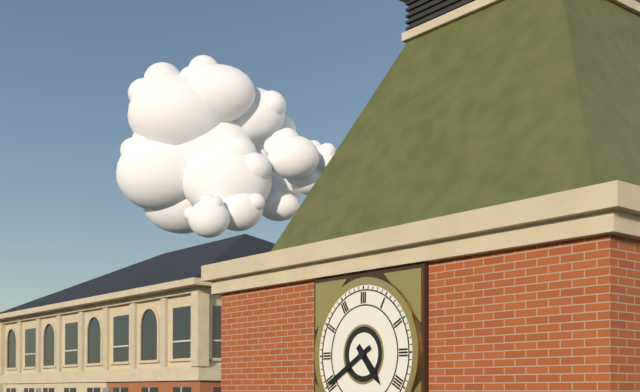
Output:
**4:40**
